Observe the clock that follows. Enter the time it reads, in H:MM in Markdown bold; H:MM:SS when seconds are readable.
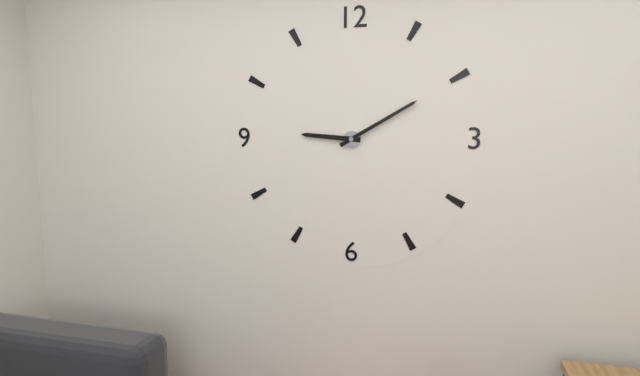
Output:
**9:10**
